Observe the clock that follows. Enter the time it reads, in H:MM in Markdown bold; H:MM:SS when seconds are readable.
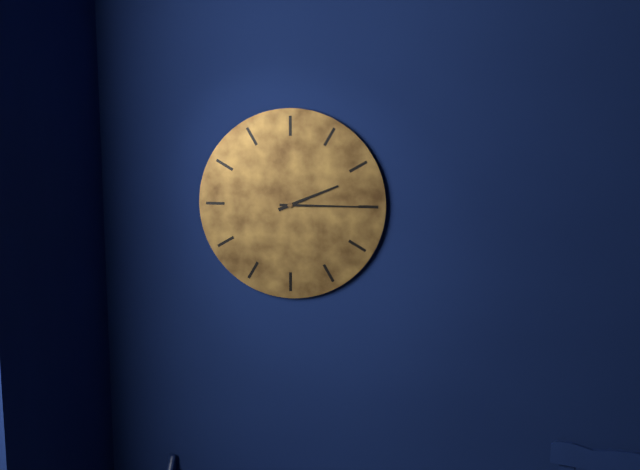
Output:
**2:15**
